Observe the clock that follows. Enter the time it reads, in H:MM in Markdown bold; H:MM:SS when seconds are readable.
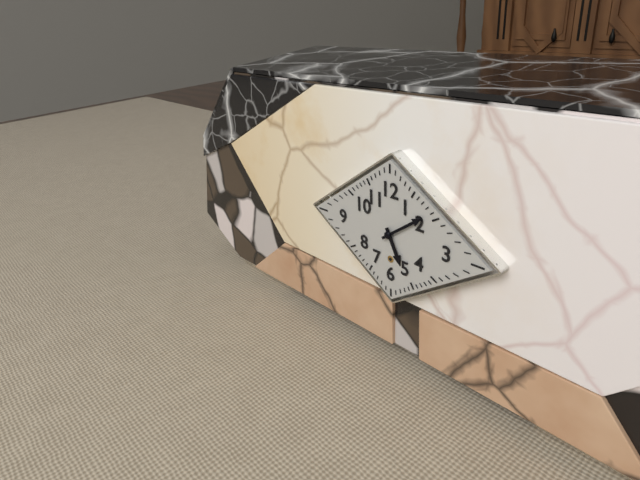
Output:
**5:09**
